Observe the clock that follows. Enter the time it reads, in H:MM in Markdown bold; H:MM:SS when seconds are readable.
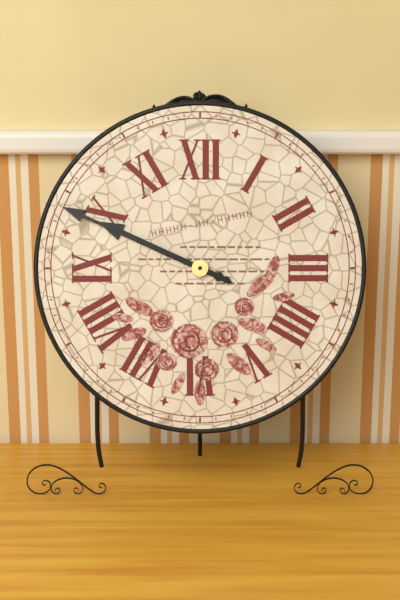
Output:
**9:49**
